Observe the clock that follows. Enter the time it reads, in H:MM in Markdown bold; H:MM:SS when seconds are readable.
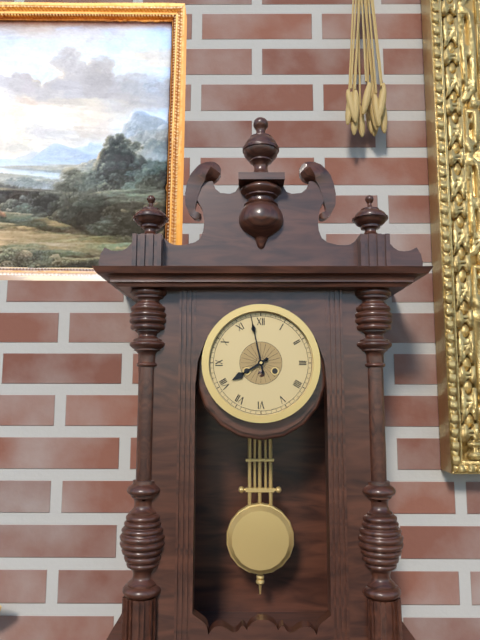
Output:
**7:58**
